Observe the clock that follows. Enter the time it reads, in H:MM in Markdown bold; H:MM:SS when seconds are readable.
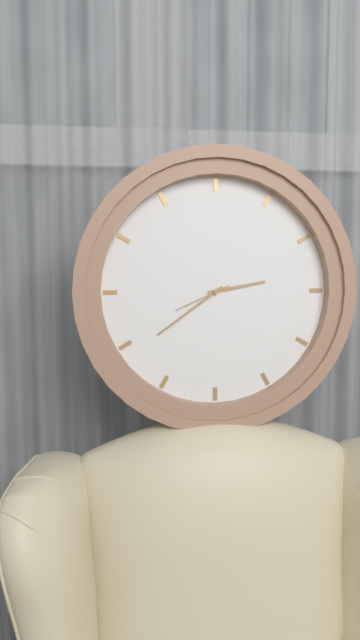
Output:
**2:39:41**
